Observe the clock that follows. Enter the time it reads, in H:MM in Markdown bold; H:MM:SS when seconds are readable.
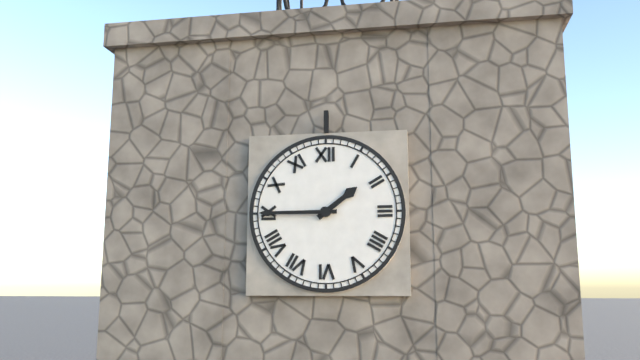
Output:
**1:45**
